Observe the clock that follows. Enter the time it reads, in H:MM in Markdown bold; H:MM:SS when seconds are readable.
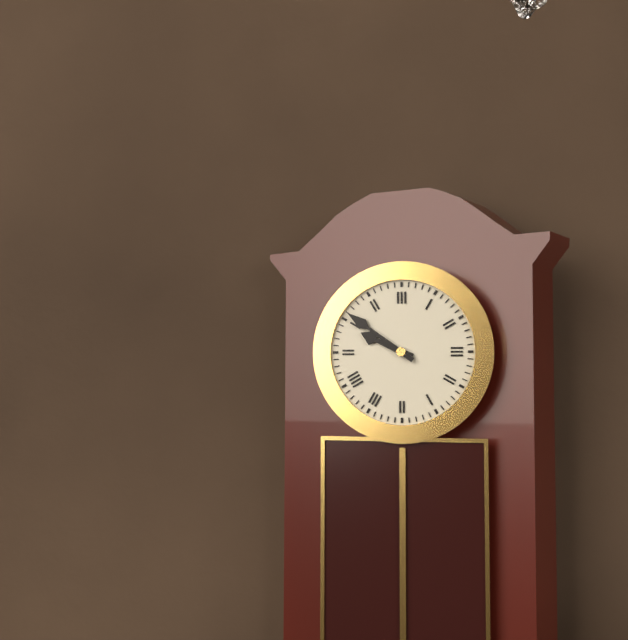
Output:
**9:51**
